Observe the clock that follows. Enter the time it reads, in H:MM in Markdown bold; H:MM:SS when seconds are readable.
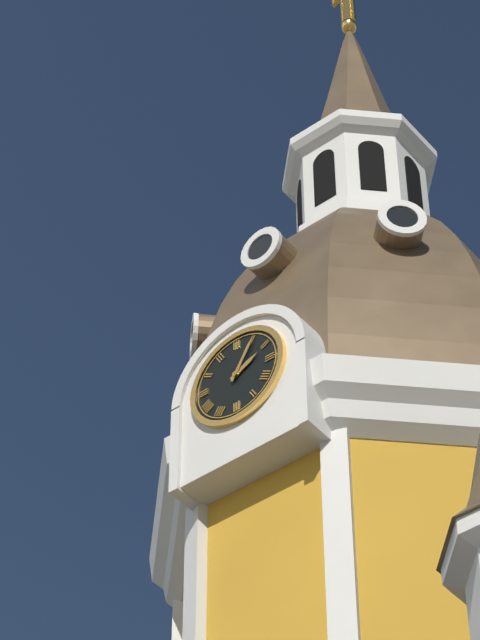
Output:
**2:05**
